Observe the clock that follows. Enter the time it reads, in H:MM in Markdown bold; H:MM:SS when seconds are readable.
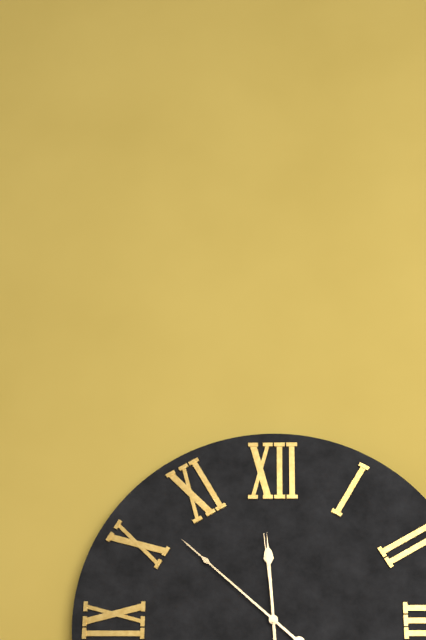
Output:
**11:52:59**
